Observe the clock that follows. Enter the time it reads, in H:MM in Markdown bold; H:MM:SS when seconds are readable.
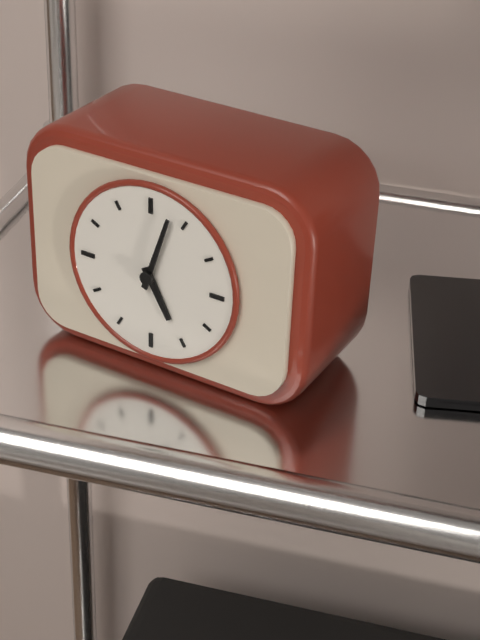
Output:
**5:03**
